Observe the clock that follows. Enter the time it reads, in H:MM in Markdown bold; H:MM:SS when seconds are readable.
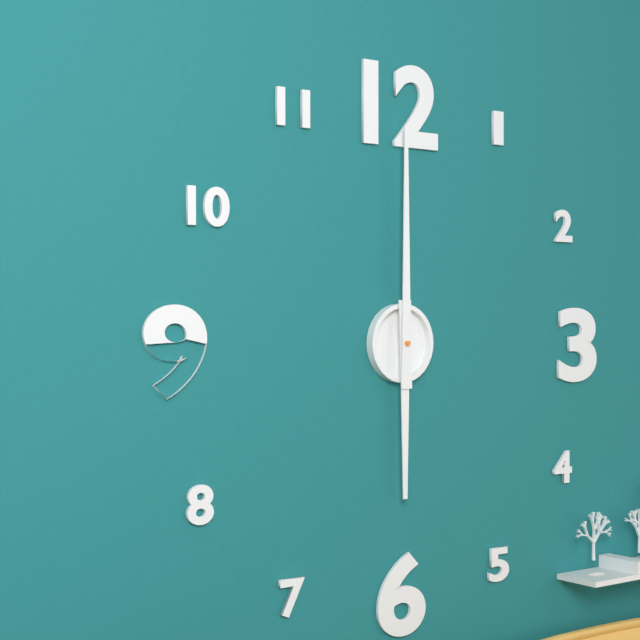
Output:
**6:00**
